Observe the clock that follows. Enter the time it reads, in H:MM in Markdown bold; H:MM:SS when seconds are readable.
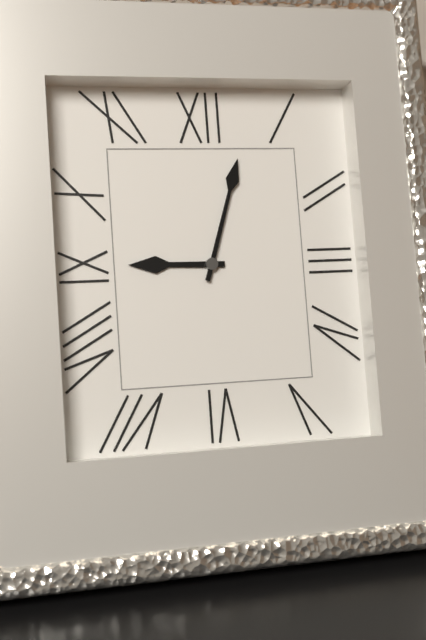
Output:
**9:03**
